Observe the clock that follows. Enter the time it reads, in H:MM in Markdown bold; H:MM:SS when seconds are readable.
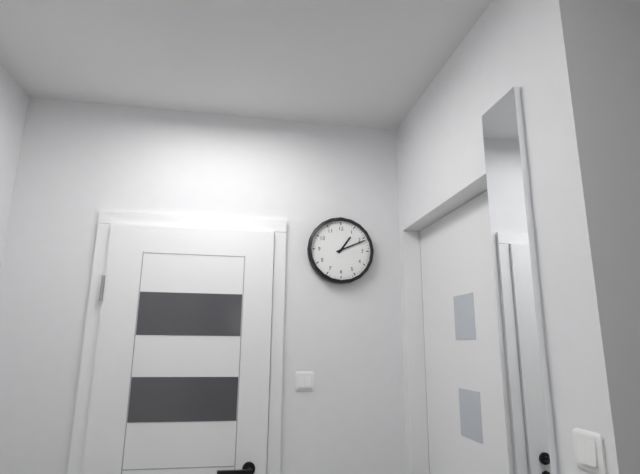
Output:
**1:11**
